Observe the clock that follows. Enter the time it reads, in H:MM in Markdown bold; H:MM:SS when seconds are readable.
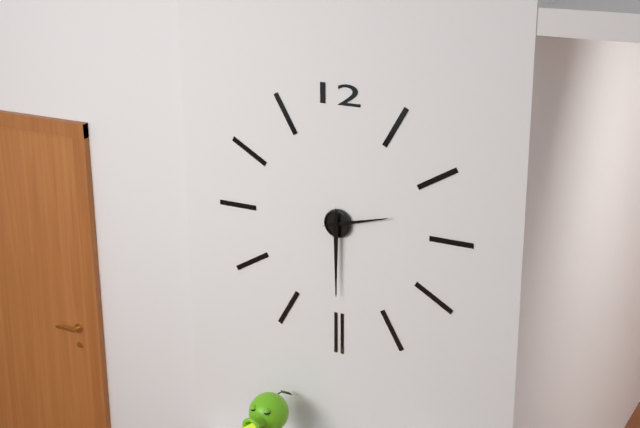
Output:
**2:30**
